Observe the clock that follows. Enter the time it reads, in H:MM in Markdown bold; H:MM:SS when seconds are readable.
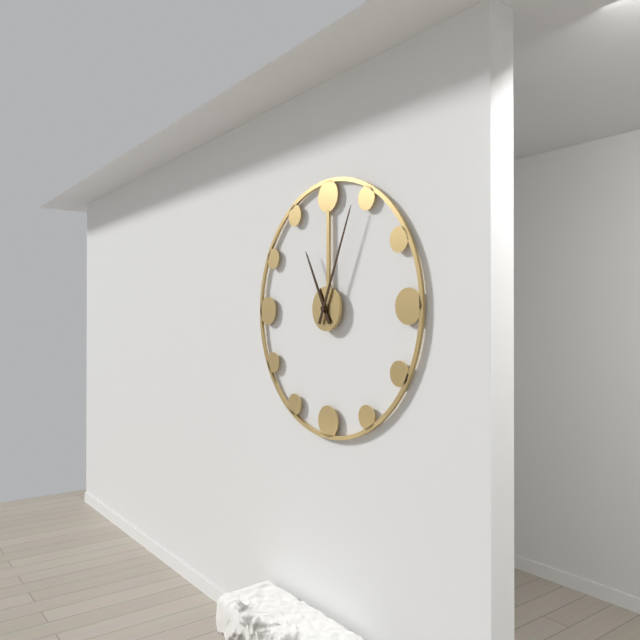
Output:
**11:04**
